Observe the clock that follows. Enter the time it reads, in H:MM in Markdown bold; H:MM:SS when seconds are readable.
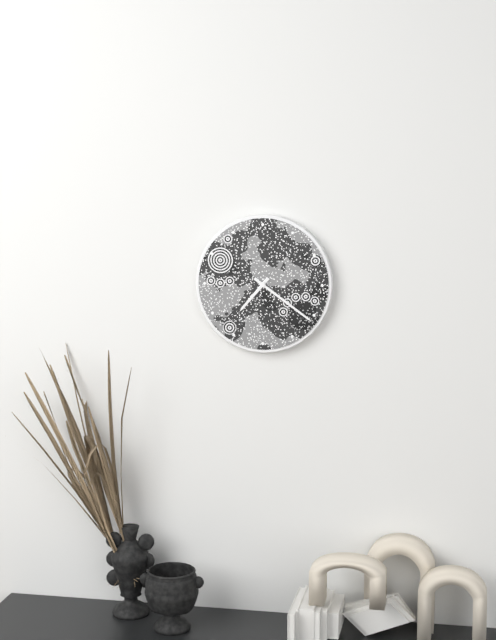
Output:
**7:21**
